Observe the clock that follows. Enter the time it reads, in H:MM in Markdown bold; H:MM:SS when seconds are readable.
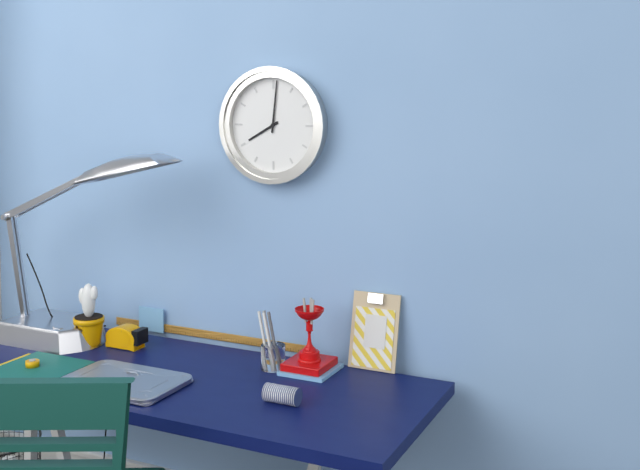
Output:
**8:01**
